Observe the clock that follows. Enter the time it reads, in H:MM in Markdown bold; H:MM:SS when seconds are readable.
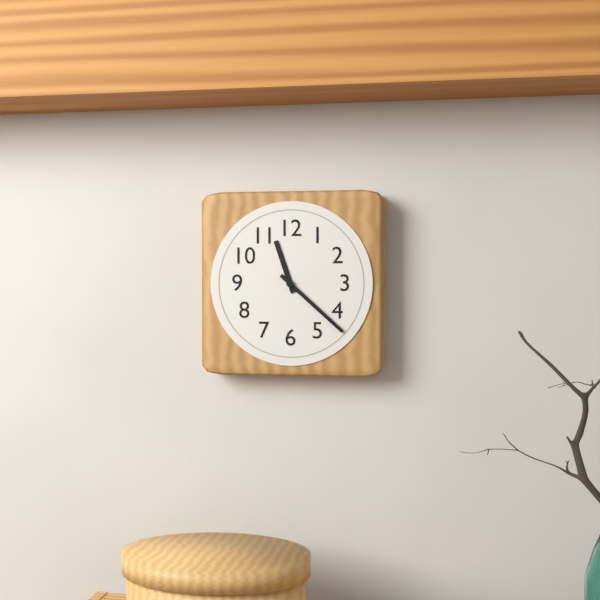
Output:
**11:22**
